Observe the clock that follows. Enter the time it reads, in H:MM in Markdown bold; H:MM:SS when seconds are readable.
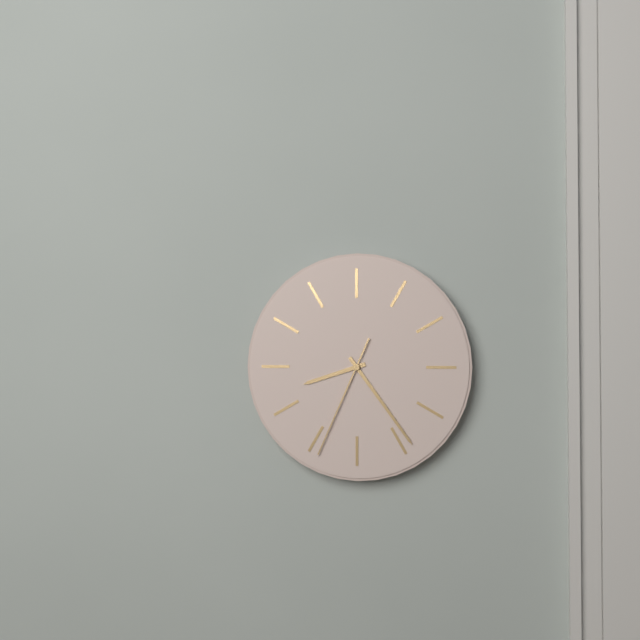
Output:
**8:24:34**
